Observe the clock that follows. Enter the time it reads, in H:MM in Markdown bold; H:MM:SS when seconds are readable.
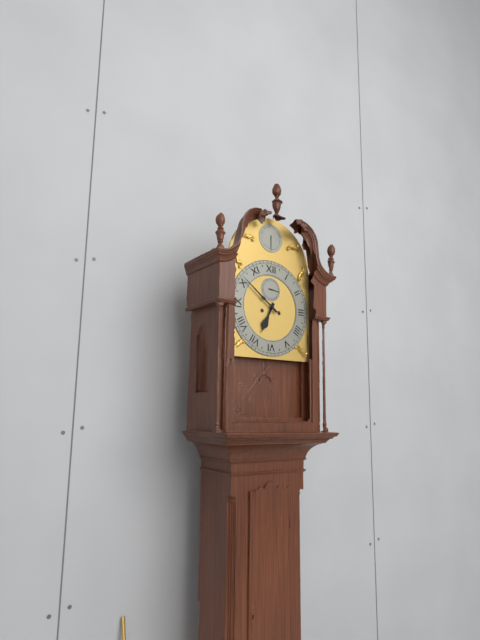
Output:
**6:51**
